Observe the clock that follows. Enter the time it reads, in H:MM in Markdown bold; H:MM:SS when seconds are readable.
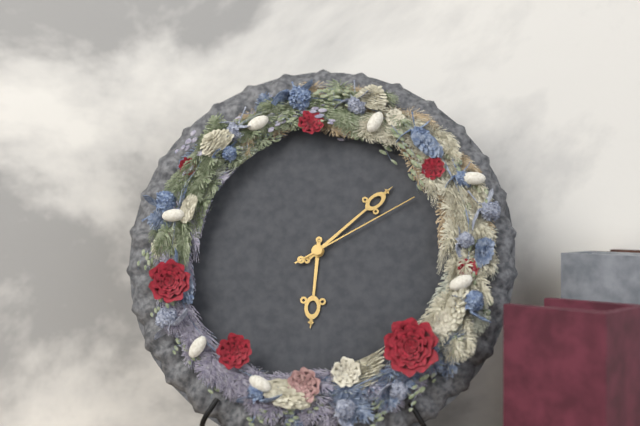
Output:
**6:08:10**
